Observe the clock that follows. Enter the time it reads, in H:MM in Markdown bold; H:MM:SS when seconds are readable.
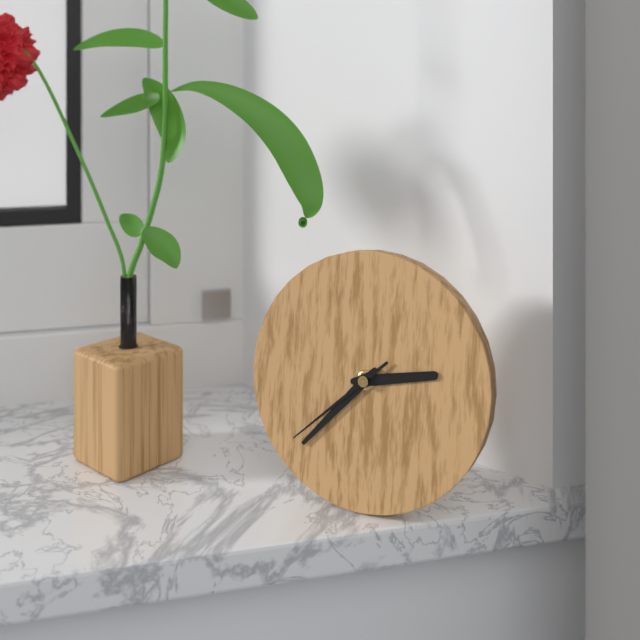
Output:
**2:37:38**
